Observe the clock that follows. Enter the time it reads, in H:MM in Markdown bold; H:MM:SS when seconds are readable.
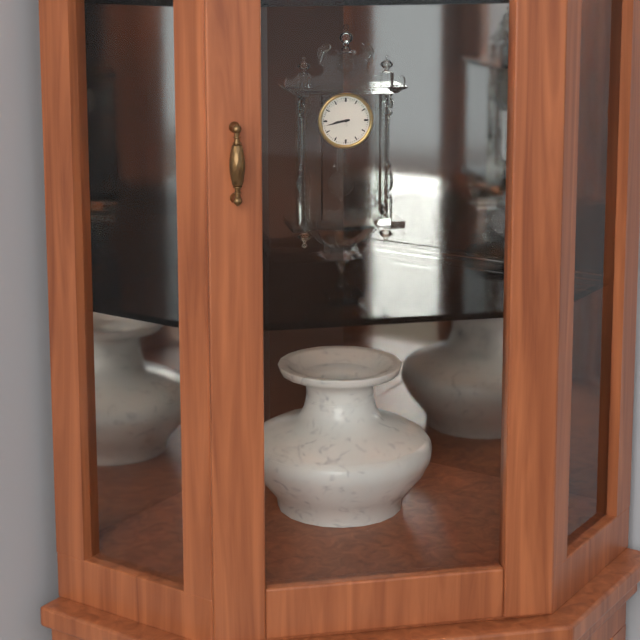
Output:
**8:43**
